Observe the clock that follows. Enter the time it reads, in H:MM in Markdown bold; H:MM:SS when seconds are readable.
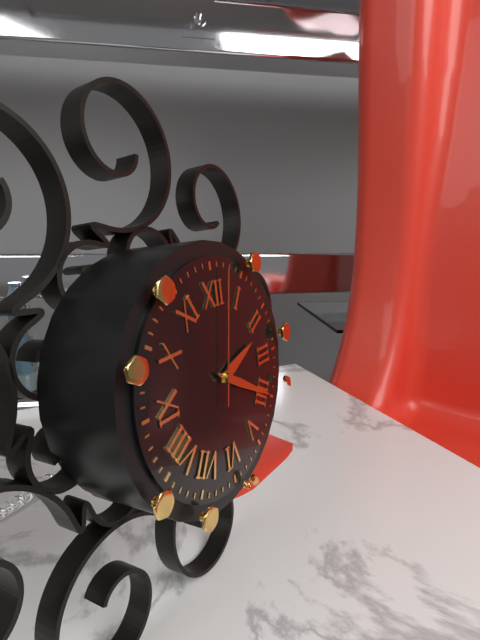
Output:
**2:20:02**
